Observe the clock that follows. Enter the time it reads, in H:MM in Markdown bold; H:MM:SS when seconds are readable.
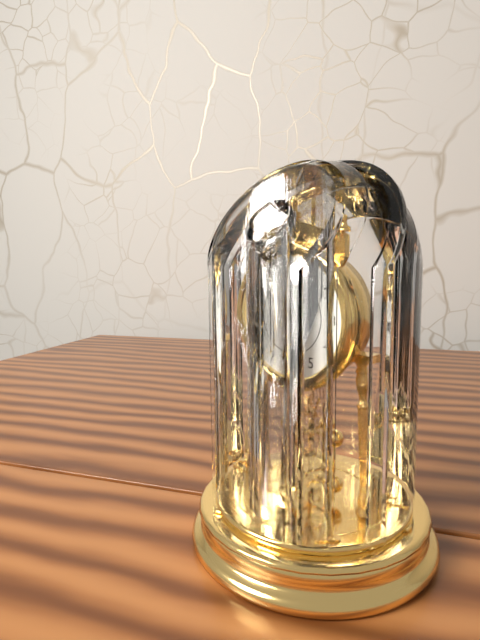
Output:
**2:32**
